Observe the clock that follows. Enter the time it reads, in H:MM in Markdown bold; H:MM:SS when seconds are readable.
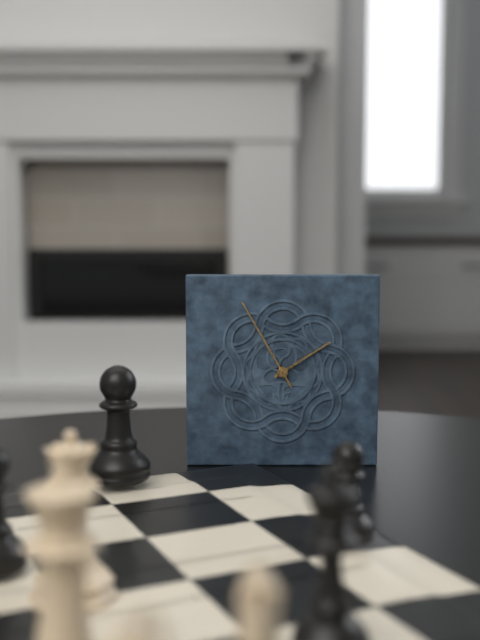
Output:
**1:55**
